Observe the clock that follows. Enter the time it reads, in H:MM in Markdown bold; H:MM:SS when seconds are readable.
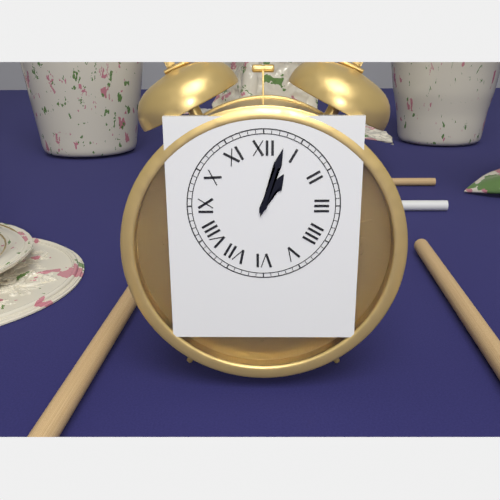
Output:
**1:03**
